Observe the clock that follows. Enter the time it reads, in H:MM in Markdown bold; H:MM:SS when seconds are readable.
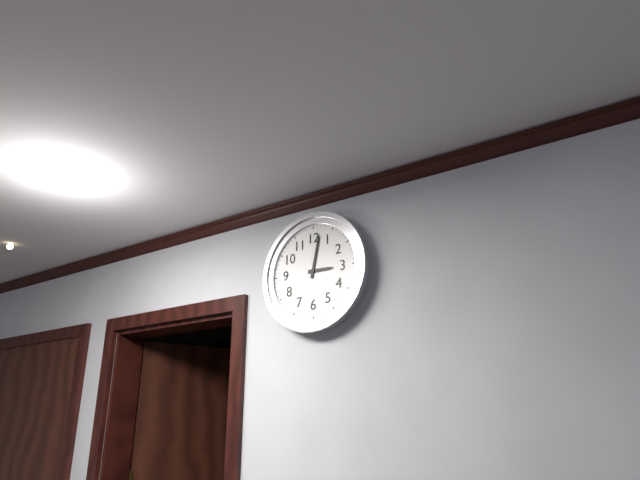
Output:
**3:02**
